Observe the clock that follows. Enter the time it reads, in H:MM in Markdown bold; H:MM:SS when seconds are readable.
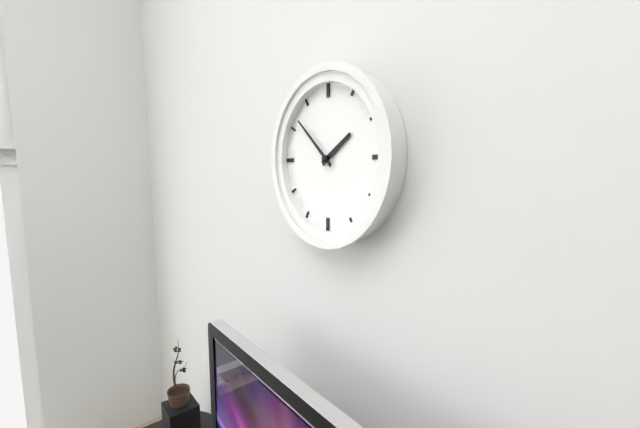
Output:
**1:52**
